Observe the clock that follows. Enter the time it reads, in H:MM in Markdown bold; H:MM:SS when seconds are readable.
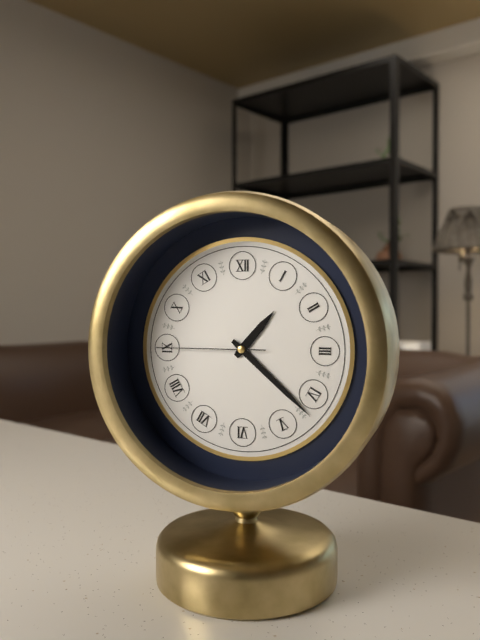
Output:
**1:22:45**
